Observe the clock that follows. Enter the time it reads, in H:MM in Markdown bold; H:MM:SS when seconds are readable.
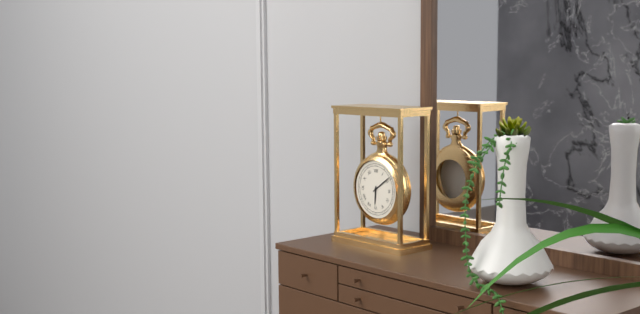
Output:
**6:09**
